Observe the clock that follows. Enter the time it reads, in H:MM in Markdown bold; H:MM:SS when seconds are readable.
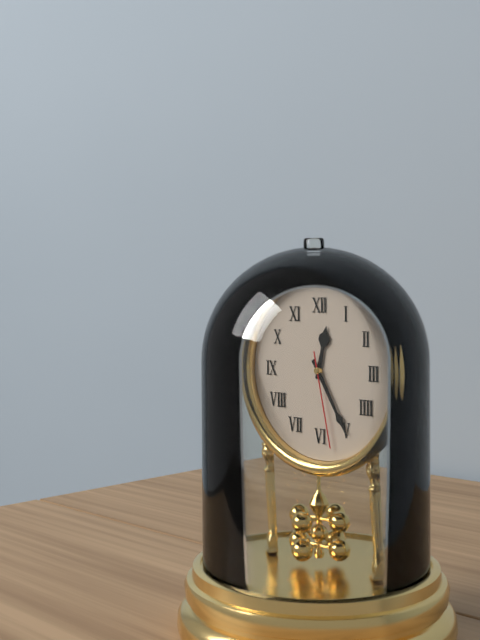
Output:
**12:25:28**
